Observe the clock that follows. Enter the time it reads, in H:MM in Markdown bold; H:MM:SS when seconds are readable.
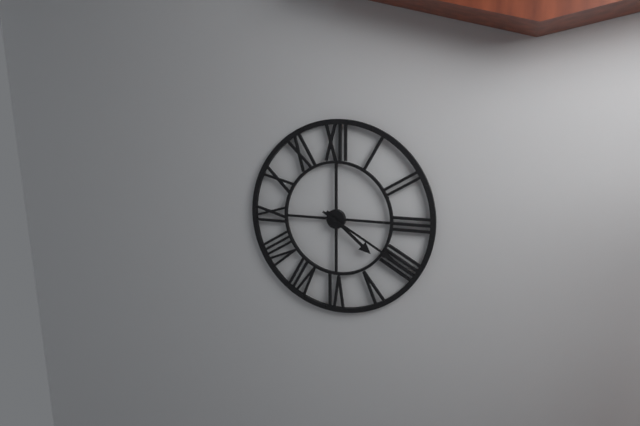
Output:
**4:20**
